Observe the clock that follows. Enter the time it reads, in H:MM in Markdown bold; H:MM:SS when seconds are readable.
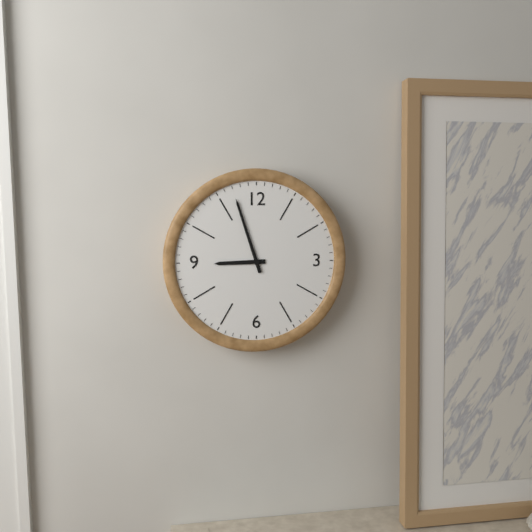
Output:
**8:57**
